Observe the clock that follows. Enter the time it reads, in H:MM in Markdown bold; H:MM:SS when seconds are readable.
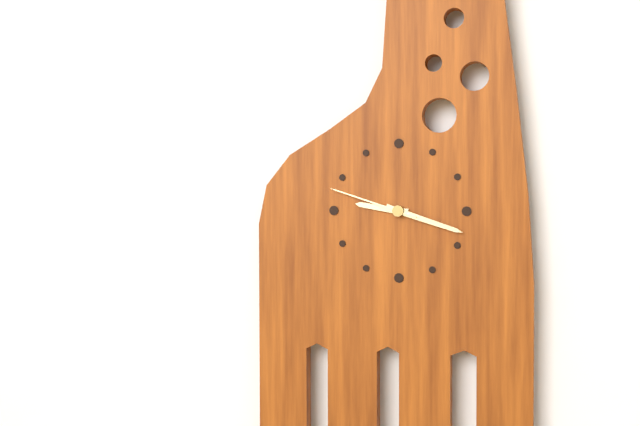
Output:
**9:18:48**
